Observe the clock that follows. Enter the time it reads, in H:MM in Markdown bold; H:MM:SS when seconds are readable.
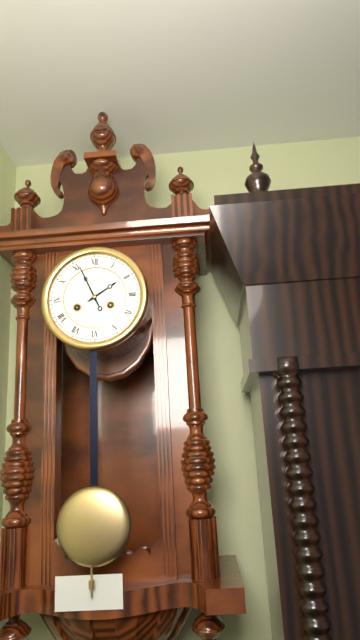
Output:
**1:56**
